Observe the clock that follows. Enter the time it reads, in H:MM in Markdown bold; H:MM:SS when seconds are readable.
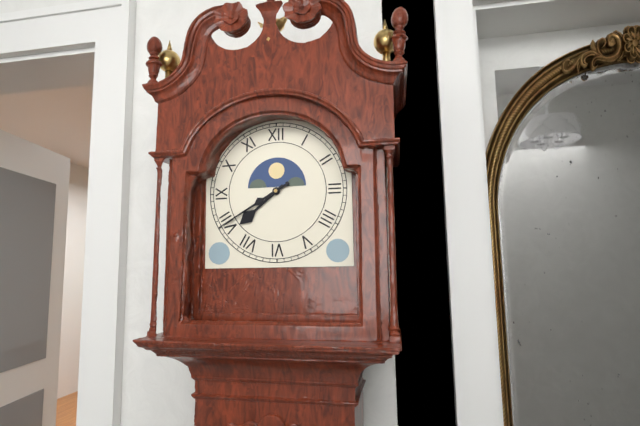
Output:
**7:40**
